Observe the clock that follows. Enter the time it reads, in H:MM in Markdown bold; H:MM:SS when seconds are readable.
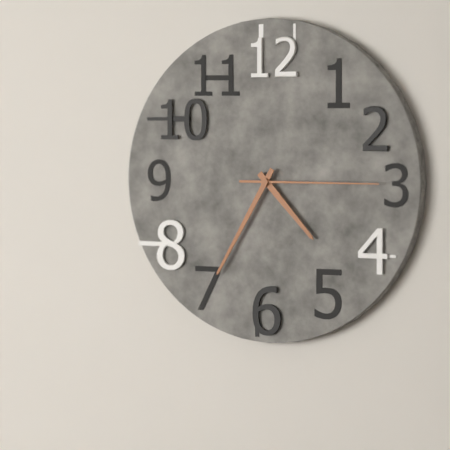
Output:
**4:35:15**
